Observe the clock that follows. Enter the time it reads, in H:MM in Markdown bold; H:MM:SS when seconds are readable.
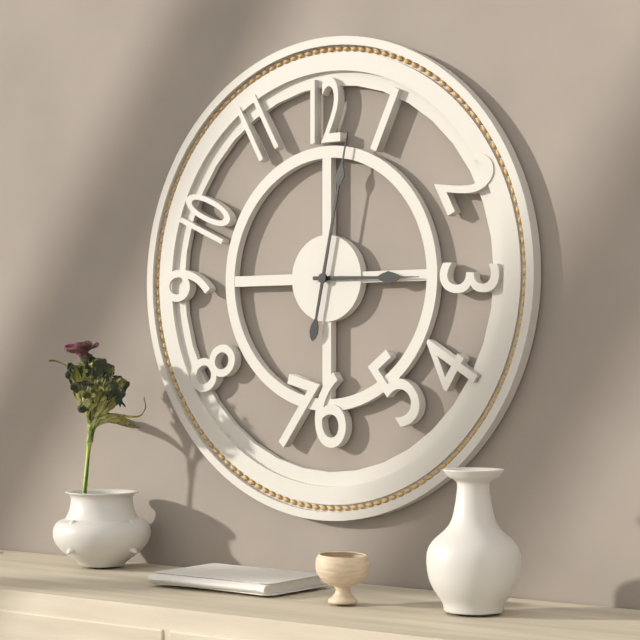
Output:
**3:02**
